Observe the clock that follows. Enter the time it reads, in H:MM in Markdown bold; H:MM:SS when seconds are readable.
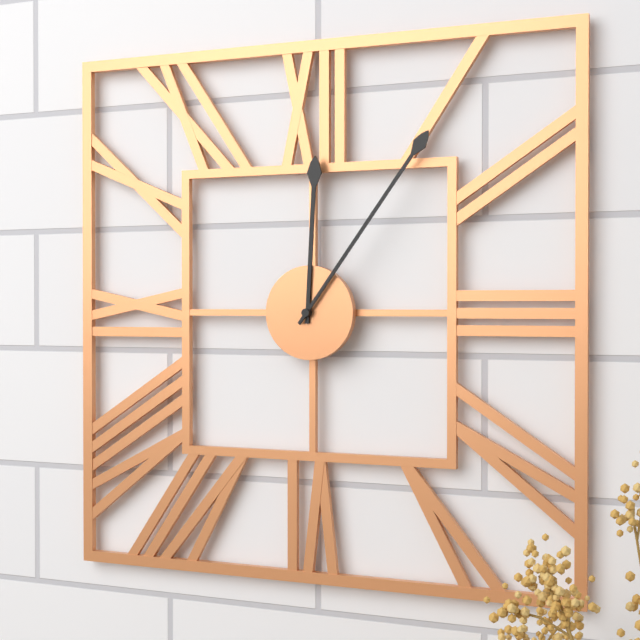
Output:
**12:06**
